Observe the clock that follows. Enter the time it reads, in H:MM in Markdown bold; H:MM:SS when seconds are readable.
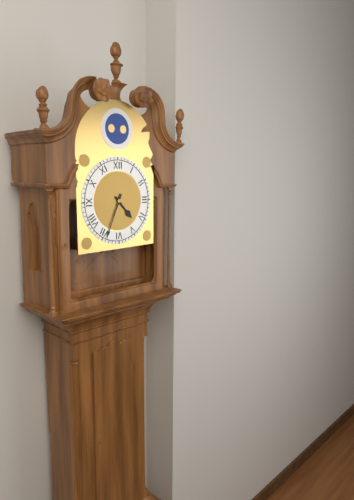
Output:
**4:34**
